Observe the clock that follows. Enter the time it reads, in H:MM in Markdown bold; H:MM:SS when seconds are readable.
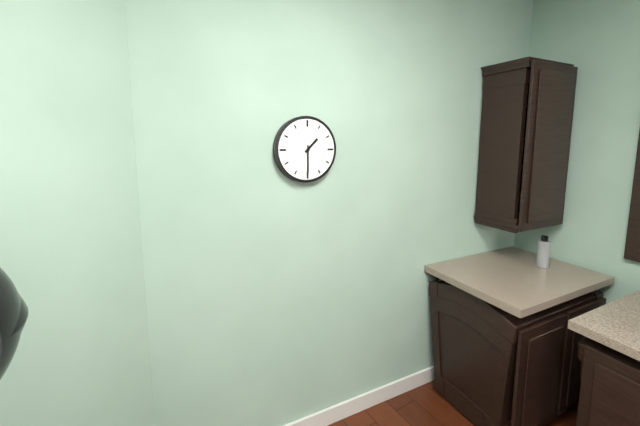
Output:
**1:30**
